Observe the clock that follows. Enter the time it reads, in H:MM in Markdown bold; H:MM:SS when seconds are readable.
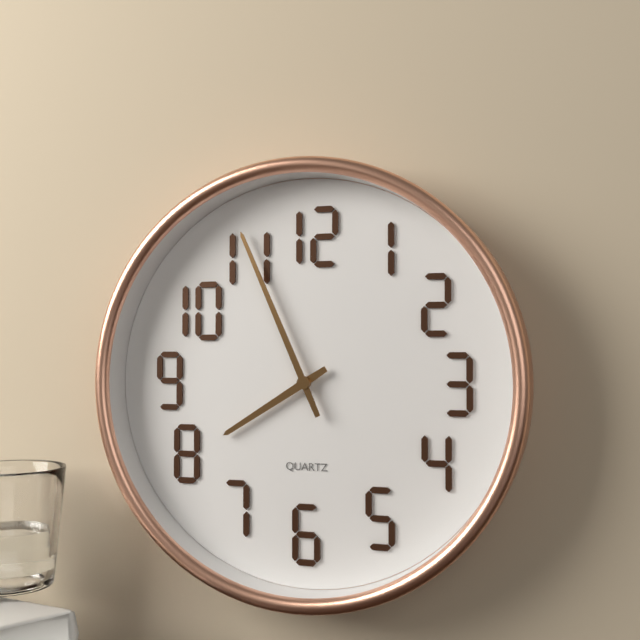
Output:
**7:56**
